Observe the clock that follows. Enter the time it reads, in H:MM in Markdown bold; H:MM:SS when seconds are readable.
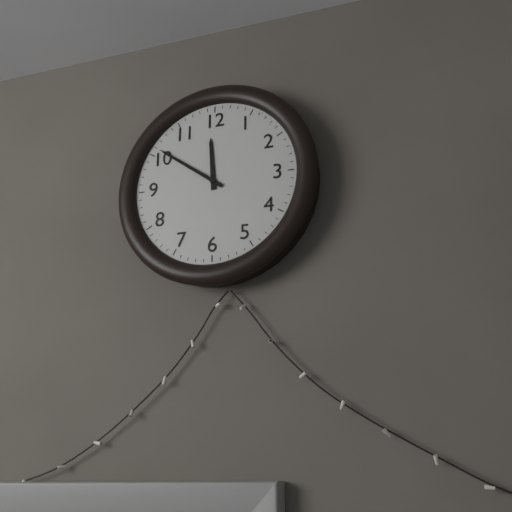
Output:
**11:51**
